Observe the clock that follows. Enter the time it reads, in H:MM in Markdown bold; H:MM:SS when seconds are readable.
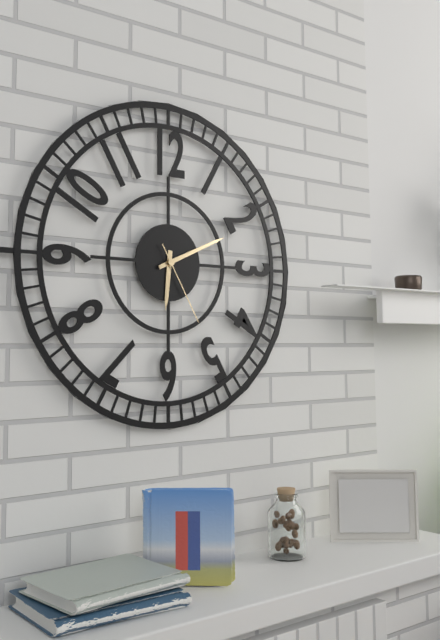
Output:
**6:11:25**
